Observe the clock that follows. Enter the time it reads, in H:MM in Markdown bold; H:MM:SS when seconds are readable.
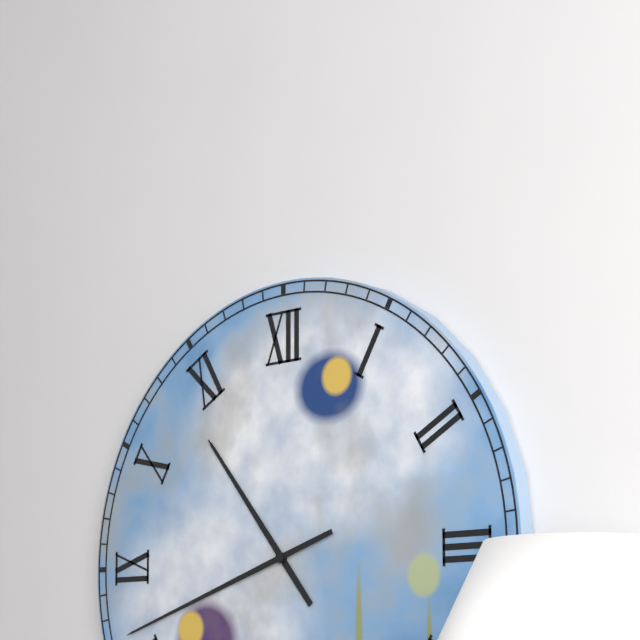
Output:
**10:42**
